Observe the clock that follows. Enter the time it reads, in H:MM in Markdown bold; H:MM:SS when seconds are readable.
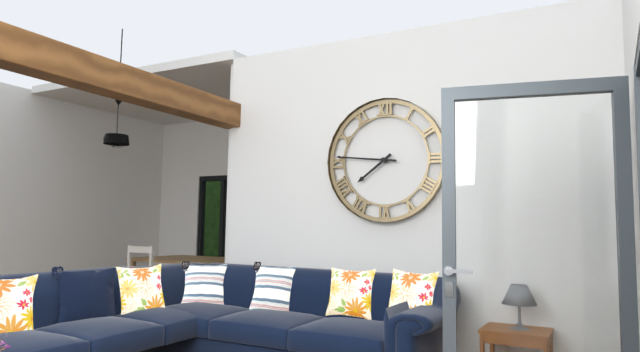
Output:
**7:46**
